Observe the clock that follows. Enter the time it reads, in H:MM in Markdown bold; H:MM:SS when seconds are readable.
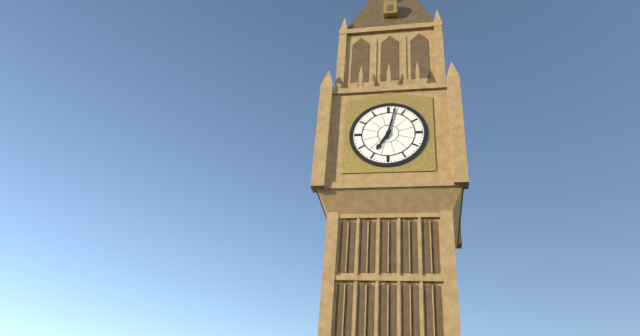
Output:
**7:02**
